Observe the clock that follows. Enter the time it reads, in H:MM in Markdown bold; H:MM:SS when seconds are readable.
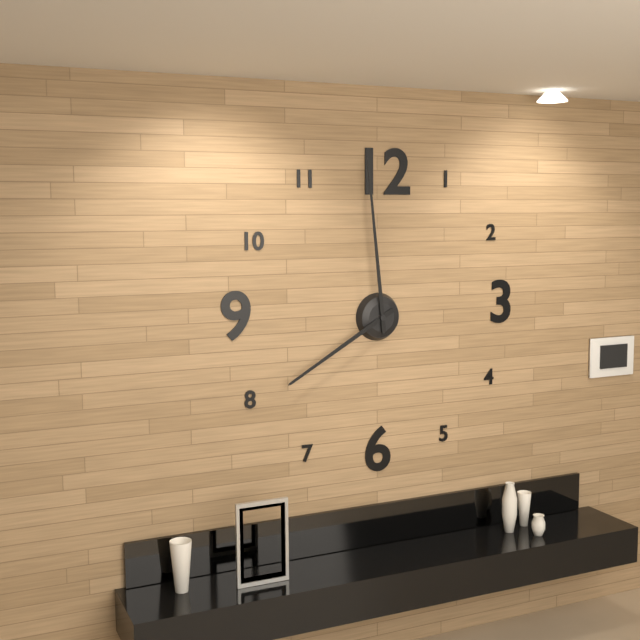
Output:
**7:59**
